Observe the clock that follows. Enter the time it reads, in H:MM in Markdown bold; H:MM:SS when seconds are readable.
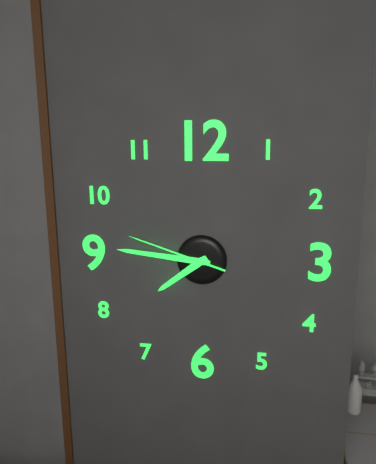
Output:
**7:46:48**
